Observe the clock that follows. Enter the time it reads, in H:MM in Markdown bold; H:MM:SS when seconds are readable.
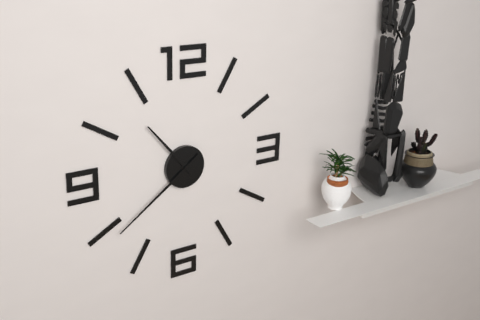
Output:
**10:39**
